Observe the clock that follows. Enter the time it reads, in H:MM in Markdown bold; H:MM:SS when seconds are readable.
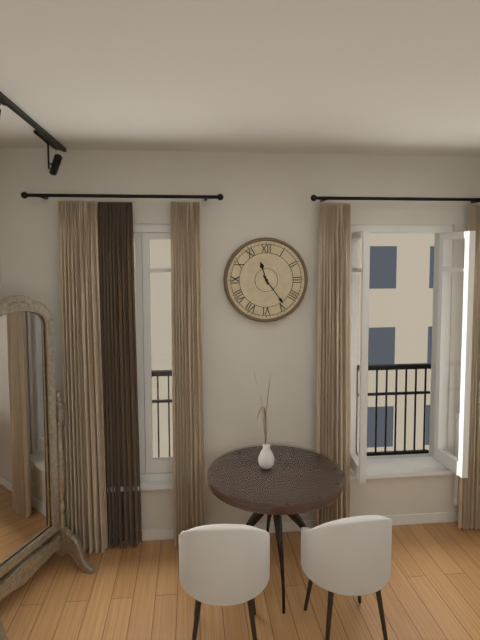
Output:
**11:24**
